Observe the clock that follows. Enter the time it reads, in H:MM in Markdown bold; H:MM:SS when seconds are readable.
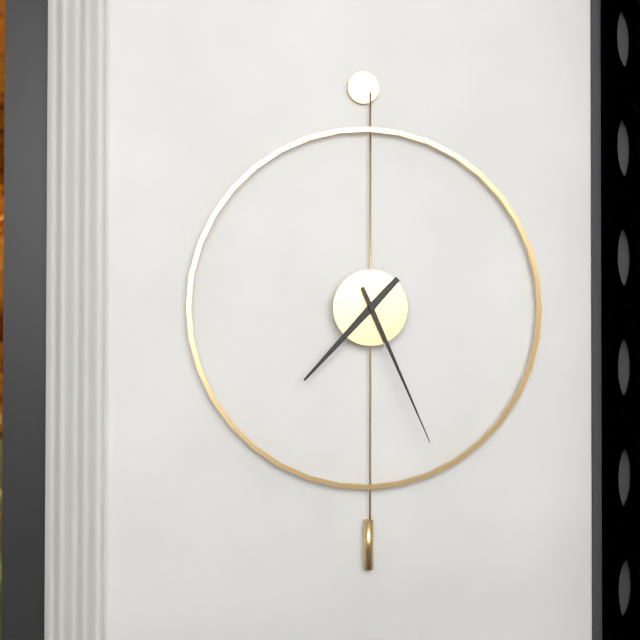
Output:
**7:26**
